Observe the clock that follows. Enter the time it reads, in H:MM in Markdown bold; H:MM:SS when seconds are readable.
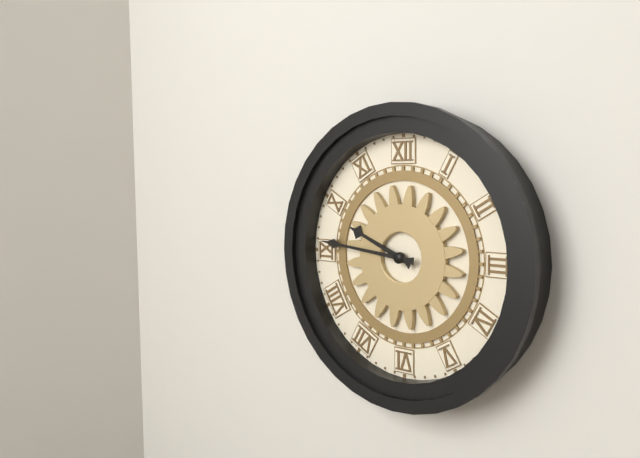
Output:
**9:46**
